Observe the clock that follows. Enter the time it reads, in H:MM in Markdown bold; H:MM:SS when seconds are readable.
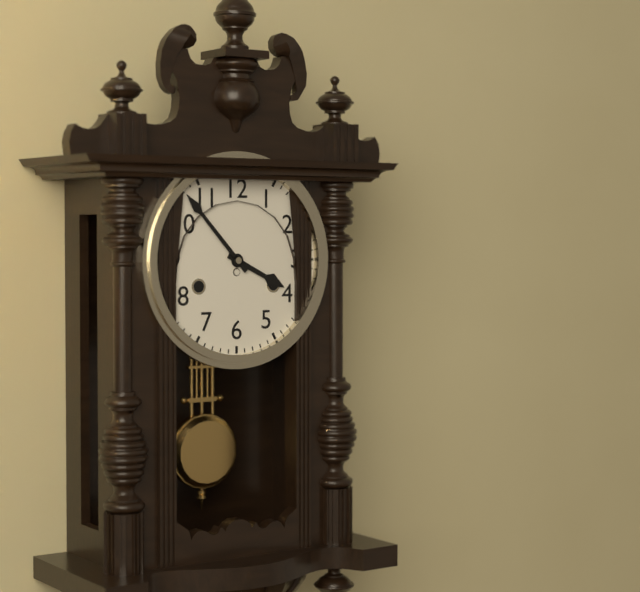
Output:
**3:53**
